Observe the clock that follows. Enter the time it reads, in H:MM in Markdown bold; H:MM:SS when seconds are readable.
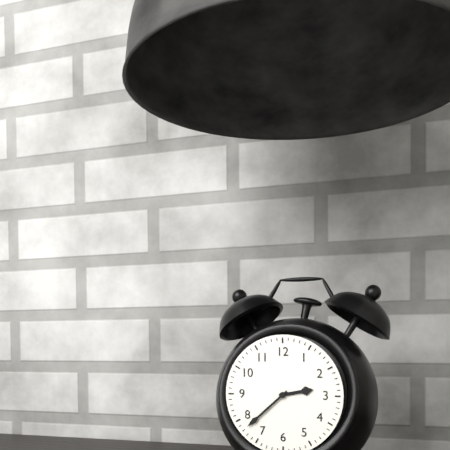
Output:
**2:38**
